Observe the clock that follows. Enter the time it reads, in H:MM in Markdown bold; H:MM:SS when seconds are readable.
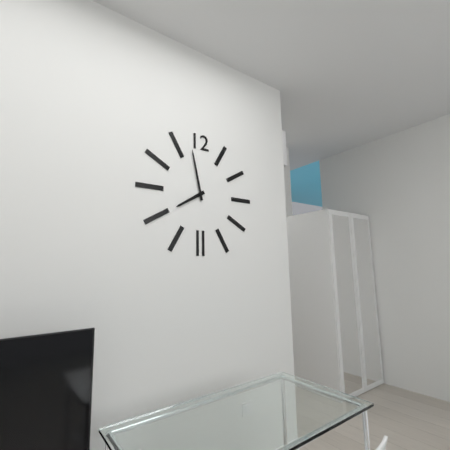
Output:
**7:58**
